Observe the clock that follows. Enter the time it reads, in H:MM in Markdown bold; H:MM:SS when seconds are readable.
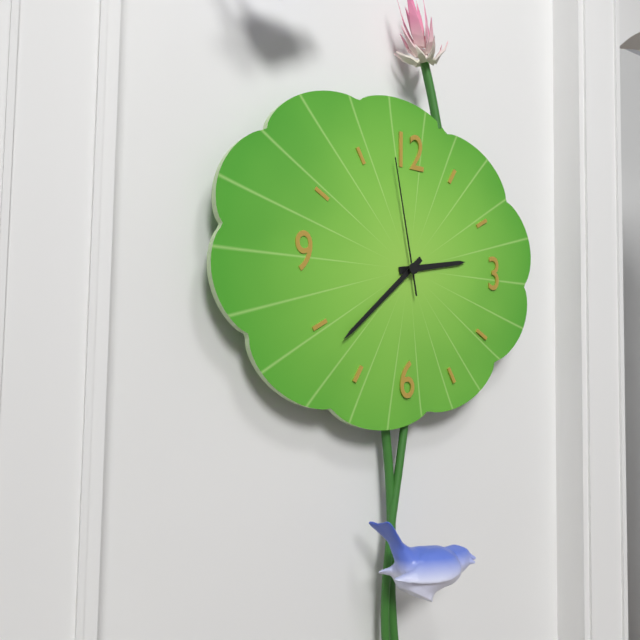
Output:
**2:38:58**
